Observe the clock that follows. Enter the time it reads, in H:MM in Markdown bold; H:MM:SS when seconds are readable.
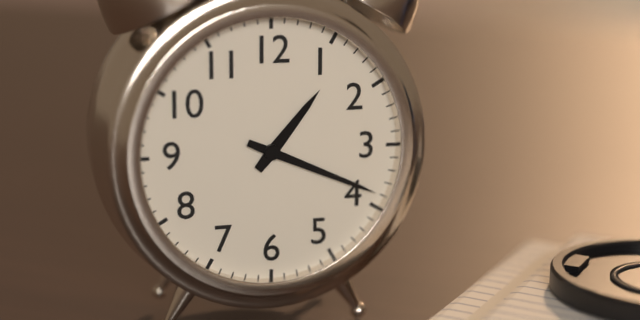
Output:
**1:19**
